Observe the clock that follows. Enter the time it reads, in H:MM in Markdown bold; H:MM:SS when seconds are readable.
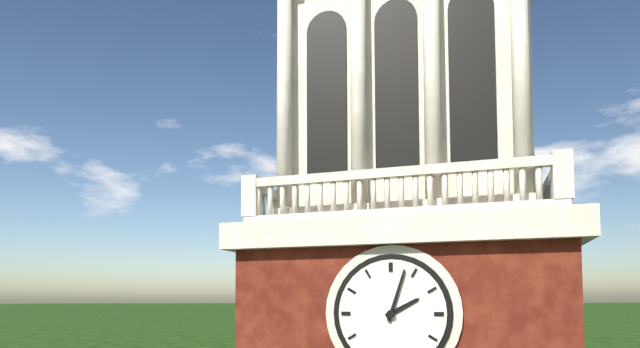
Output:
**2:03**
